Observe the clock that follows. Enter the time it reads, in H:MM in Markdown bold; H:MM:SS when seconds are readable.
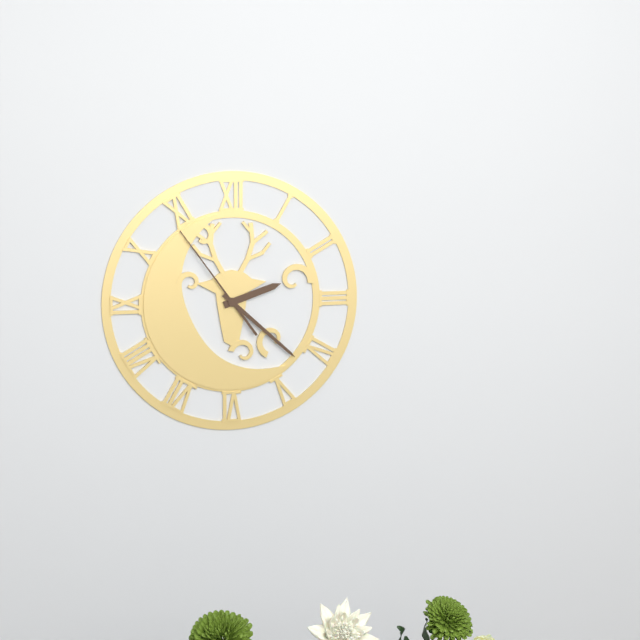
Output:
**2:22:54**
